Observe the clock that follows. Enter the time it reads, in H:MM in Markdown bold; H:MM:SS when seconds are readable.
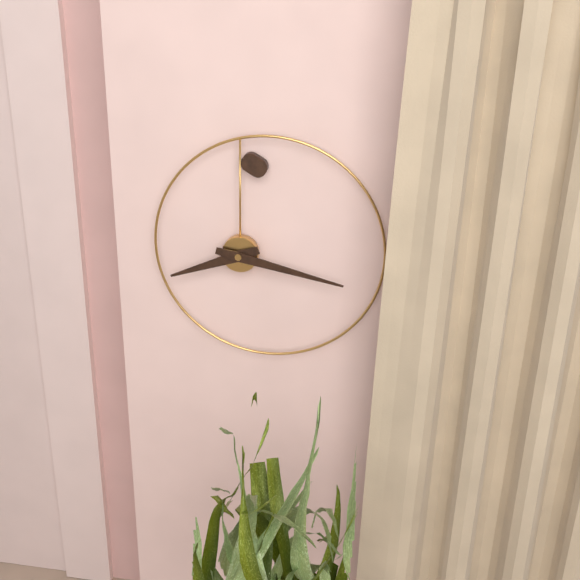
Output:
**8:17**
